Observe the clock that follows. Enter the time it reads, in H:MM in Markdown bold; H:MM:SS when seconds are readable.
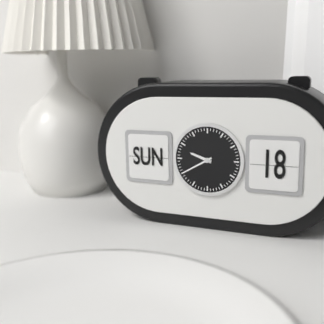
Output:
**9:40**
